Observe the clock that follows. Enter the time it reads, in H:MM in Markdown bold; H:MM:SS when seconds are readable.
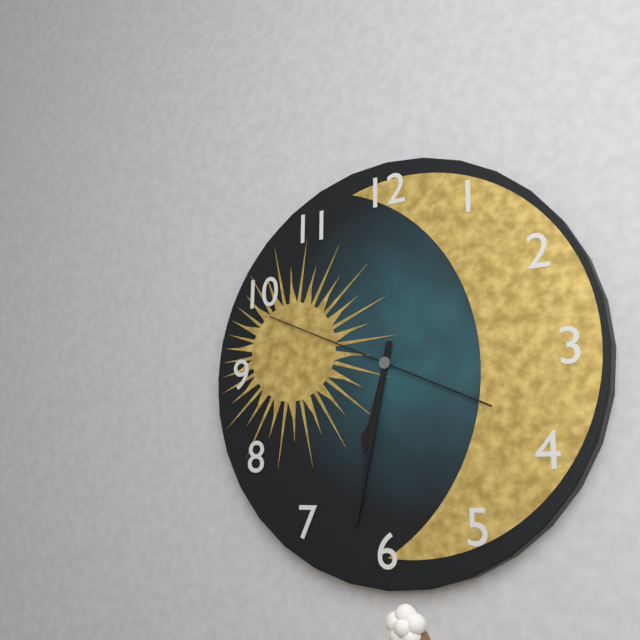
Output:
**6:32:49**
